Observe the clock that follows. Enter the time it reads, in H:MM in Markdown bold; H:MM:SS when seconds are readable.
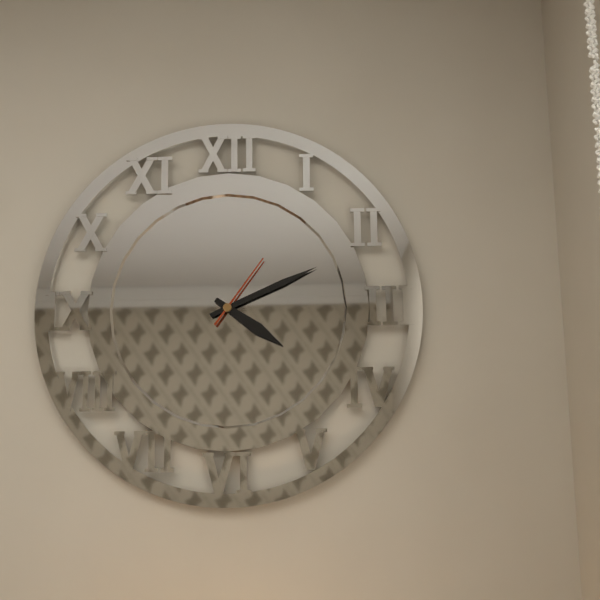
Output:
**4:11:06**
